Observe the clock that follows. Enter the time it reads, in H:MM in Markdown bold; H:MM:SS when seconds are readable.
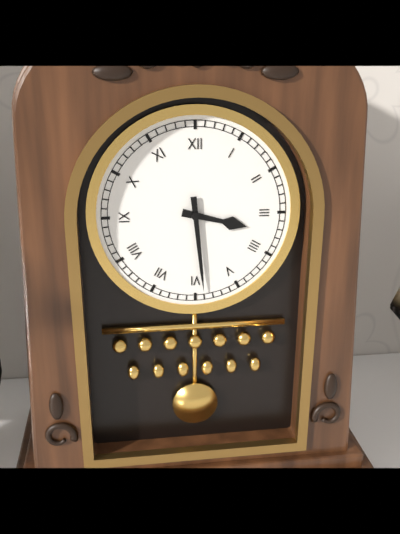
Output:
**3:29**
